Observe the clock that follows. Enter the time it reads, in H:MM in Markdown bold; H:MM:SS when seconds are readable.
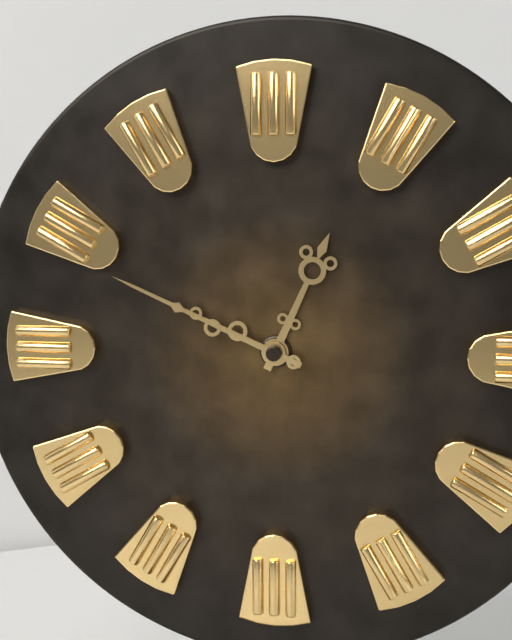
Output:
**12:49**
